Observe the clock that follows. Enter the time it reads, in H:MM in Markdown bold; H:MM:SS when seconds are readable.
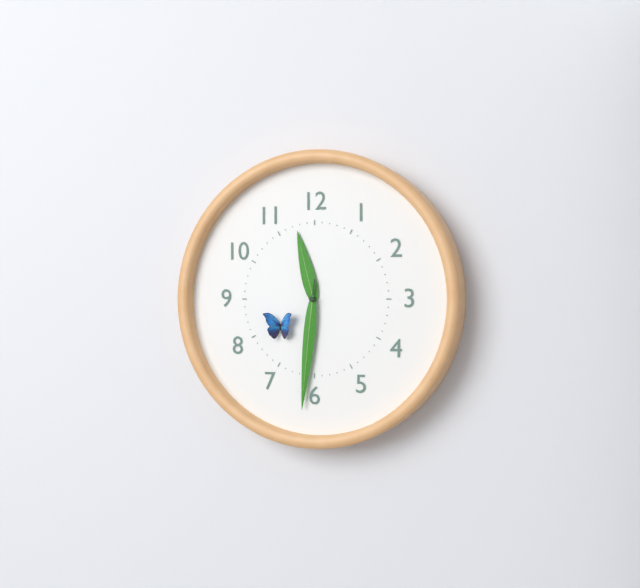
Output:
**11:31**
